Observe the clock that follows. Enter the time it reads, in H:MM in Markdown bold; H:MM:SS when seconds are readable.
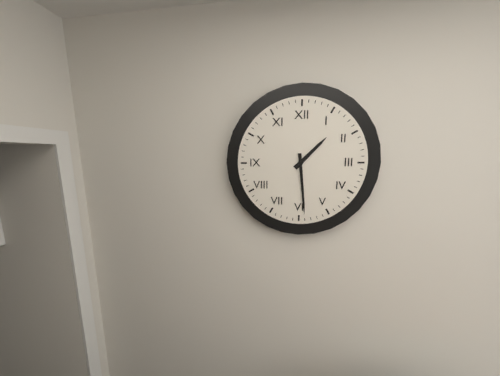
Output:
**1:29**
